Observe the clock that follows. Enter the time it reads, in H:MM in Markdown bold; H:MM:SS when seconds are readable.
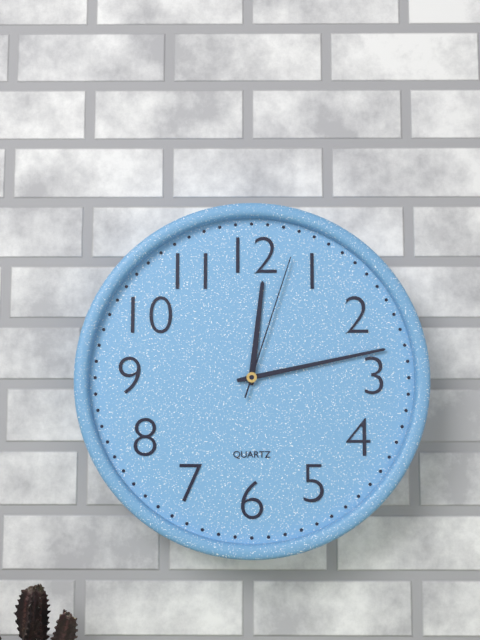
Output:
**12:13:03**
